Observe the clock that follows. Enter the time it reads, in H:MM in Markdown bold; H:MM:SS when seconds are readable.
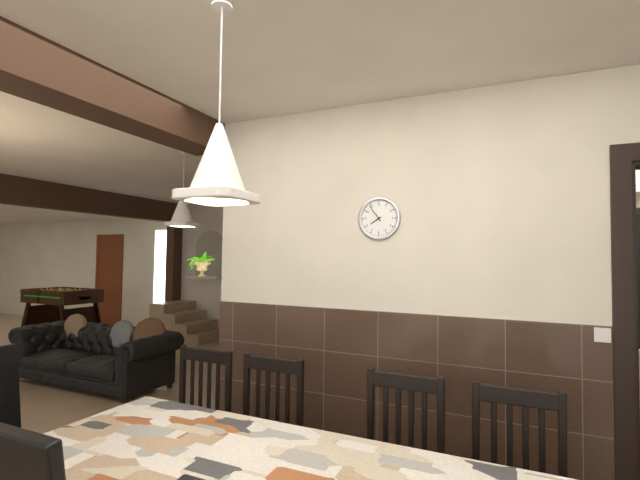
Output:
**7:54**
